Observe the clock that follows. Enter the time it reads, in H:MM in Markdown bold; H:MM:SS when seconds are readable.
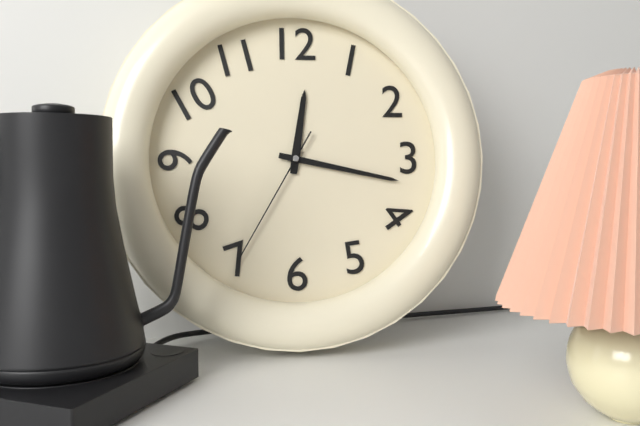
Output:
**12:17:35**
